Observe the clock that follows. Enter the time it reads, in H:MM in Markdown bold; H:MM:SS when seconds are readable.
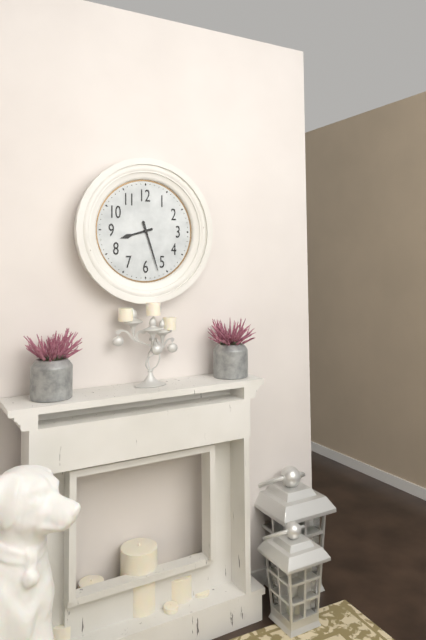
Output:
**8:27**
